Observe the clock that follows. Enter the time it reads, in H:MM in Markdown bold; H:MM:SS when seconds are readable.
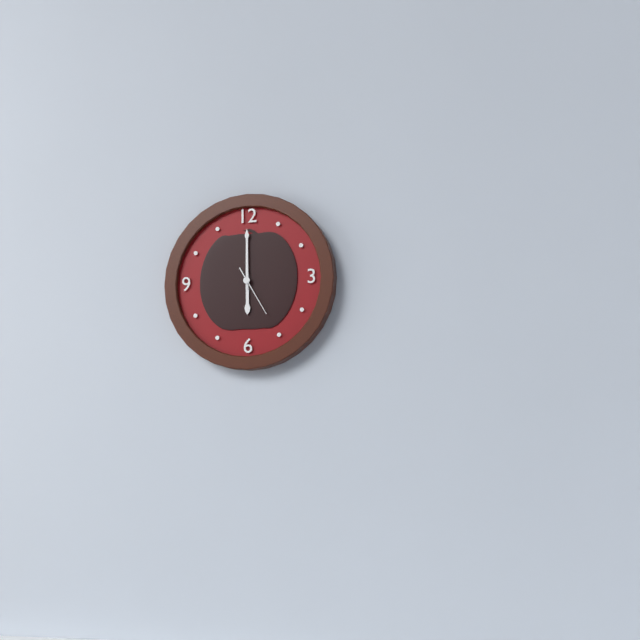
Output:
**6:00**
